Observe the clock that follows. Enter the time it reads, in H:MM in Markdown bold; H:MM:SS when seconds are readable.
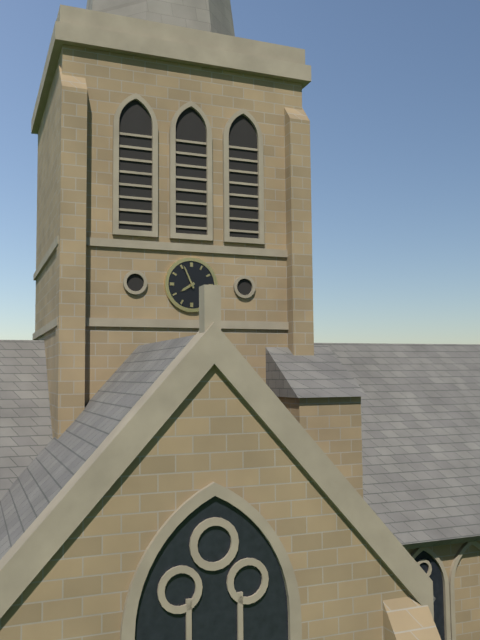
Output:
**7:56**
